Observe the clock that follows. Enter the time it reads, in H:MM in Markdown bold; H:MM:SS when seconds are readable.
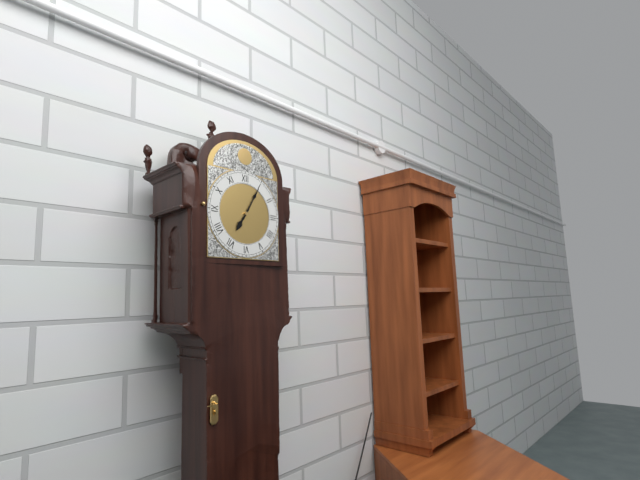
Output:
**7:05**
